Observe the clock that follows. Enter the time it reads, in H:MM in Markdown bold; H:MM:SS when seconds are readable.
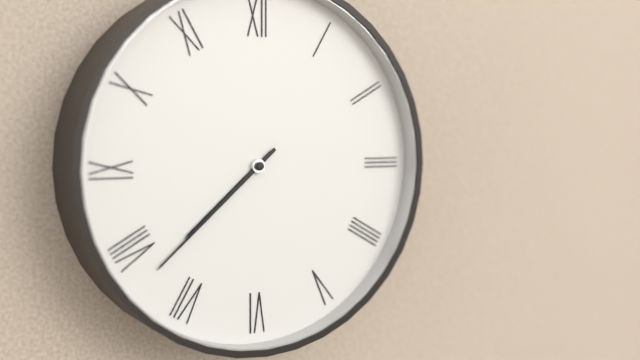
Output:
**7:38**
